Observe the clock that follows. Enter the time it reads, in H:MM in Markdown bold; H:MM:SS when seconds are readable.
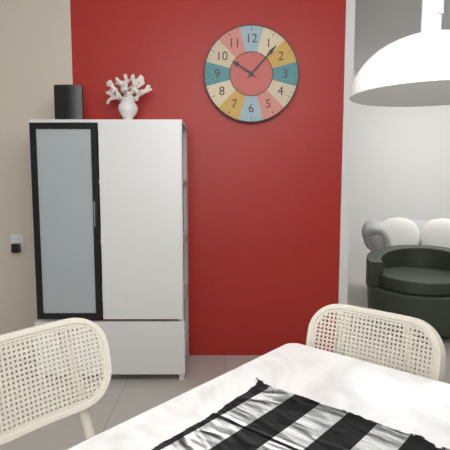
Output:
**10:07**
